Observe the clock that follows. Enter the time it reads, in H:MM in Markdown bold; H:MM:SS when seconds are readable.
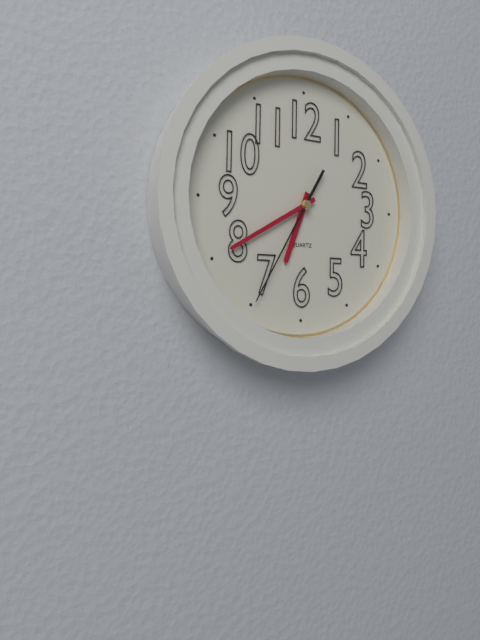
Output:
**6:40:35**
